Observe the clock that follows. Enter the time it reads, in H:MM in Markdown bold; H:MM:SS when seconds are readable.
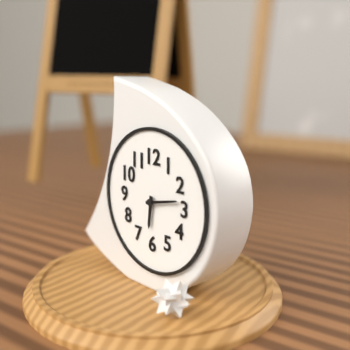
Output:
**6:13**
